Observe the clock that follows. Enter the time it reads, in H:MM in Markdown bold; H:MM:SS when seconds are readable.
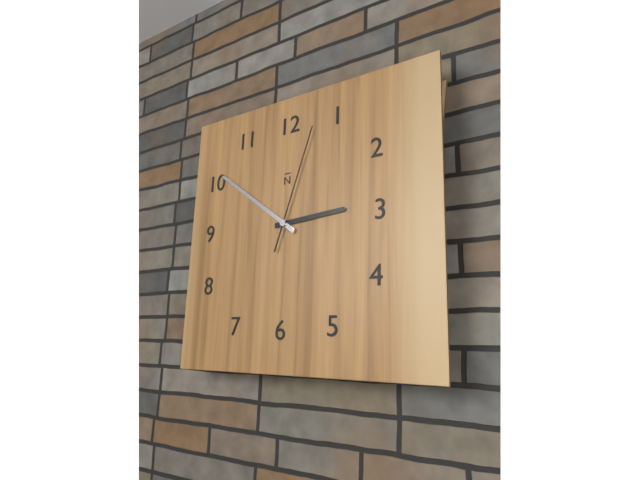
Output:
**2:51:03**
